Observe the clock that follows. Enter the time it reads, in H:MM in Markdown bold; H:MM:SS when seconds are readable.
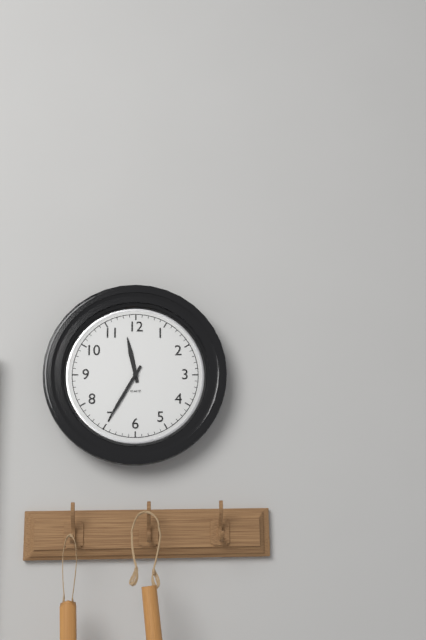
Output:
**11:35**
